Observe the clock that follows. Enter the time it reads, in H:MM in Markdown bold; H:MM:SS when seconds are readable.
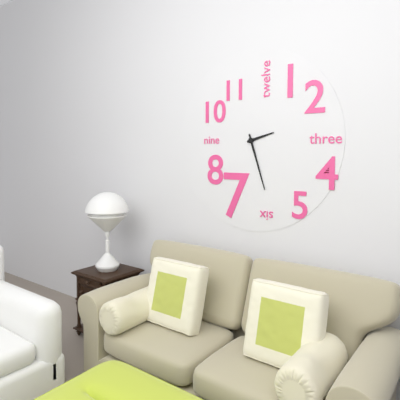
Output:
**2:27**
